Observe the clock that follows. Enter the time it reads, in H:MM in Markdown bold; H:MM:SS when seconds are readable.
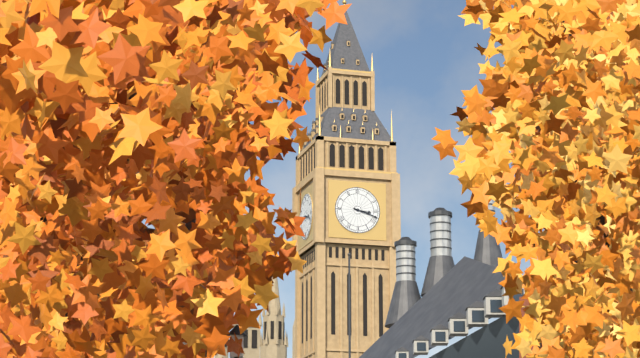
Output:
**3:18**
